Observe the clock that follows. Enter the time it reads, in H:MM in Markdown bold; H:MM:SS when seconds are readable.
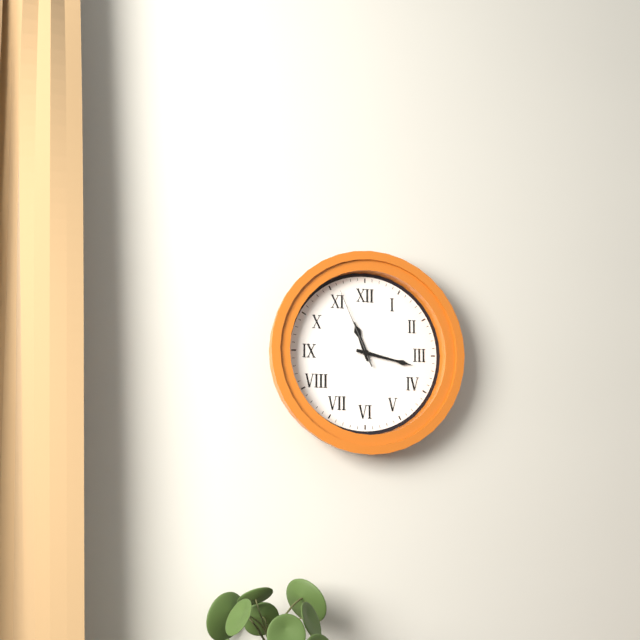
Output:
**11:17:56**
